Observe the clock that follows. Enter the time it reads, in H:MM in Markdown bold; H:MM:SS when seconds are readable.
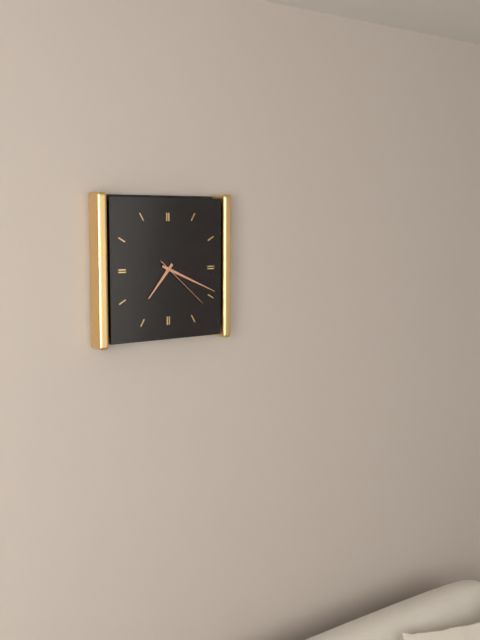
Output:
**7:19:22**
